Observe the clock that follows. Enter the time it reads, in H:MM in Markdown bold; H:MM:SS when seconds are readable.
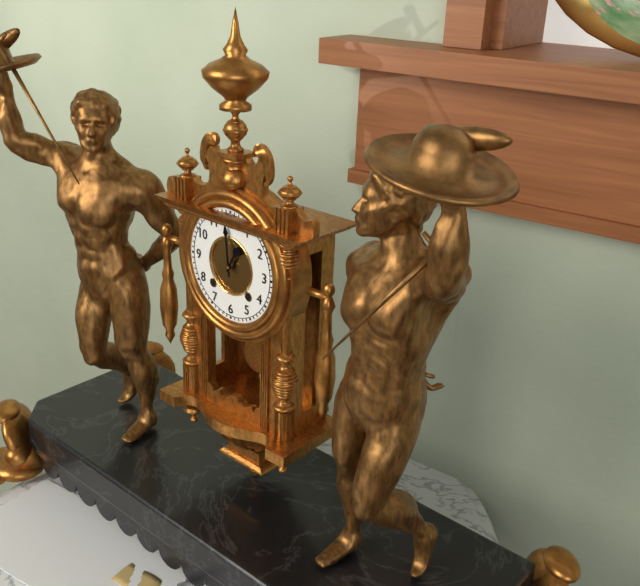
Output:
**12:59**
